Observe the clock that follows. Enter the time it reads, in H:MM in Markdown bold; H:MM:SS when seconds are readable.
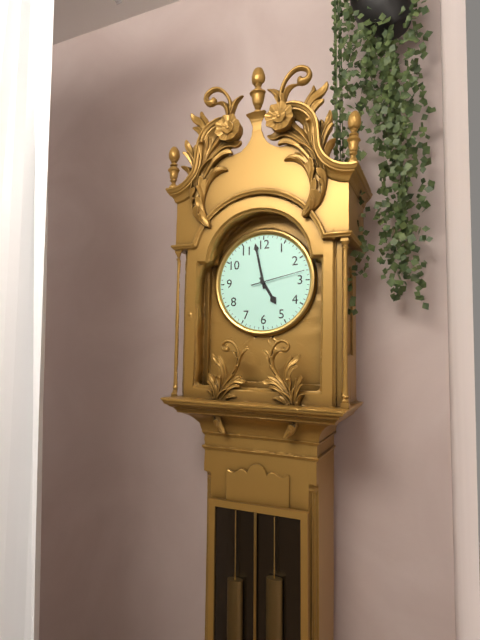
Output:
**4:58:13**
